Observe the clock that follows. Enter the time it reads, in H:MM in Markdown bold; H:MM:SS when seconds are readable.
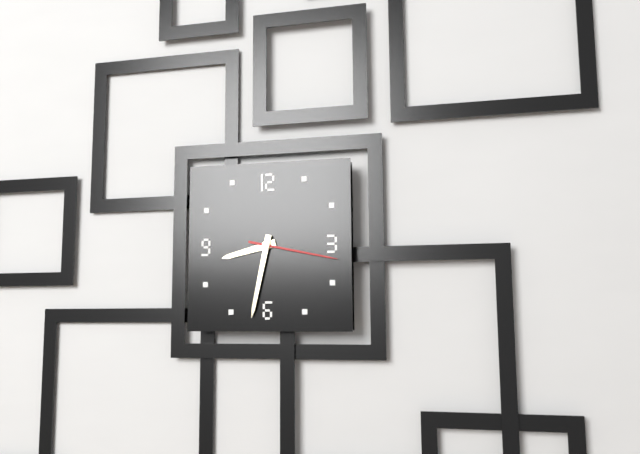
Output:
**8:32:17**
